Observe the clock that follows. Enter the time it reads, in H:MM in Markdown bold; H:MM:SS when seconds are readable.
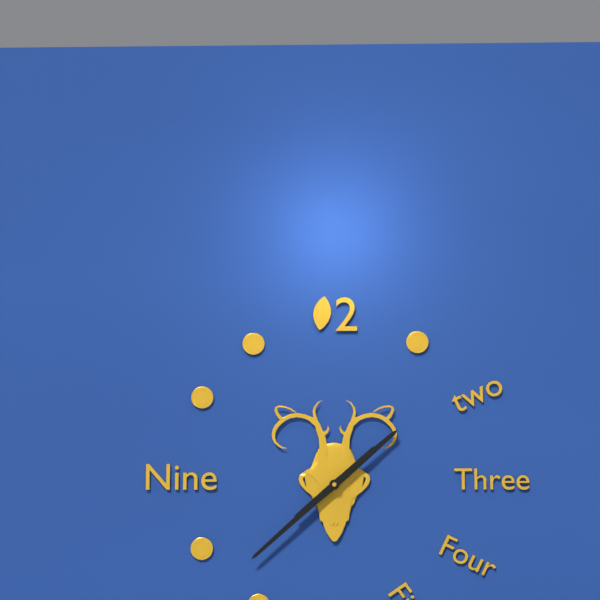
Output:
**1:38**
